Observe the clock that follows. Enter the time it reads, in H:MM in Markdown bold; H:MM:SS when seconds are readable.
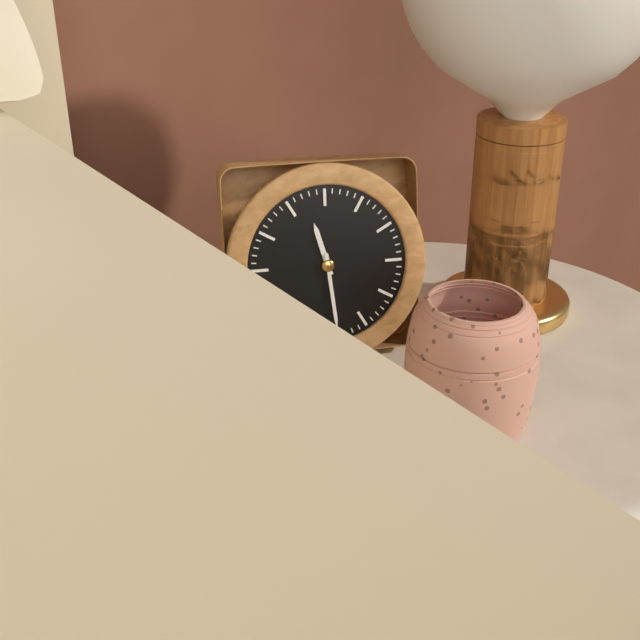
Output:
**11:29**
